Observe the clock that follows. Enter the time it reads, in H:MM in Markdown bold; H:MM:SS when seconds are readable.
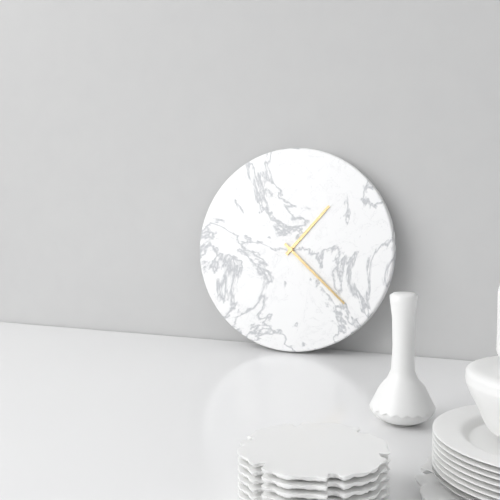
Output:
**1:22**
